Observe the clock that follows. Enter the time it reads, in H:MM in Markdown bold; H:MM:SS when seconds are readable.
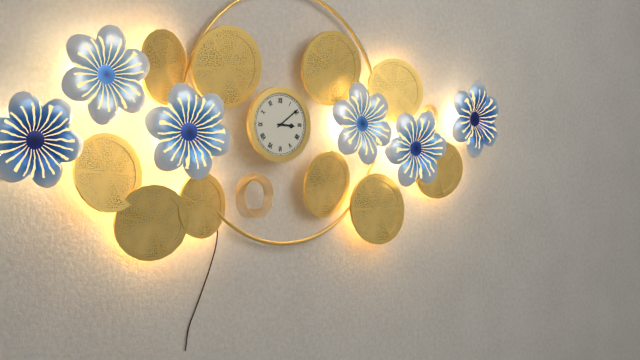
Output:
**3:09**
